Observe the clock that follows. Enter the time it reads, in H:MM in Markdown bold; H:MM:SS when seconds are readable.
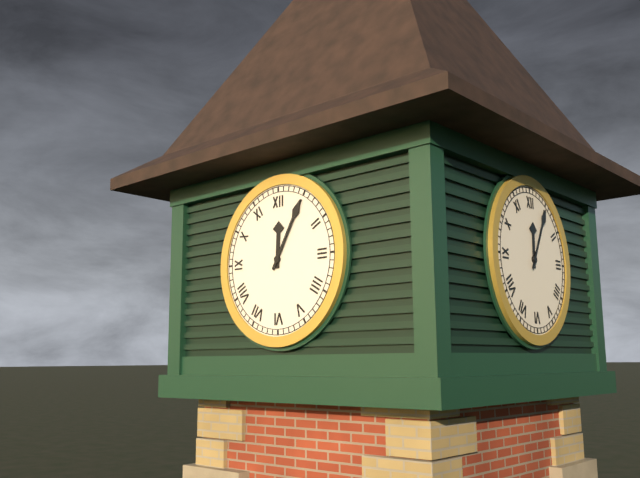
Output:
**12:05**
